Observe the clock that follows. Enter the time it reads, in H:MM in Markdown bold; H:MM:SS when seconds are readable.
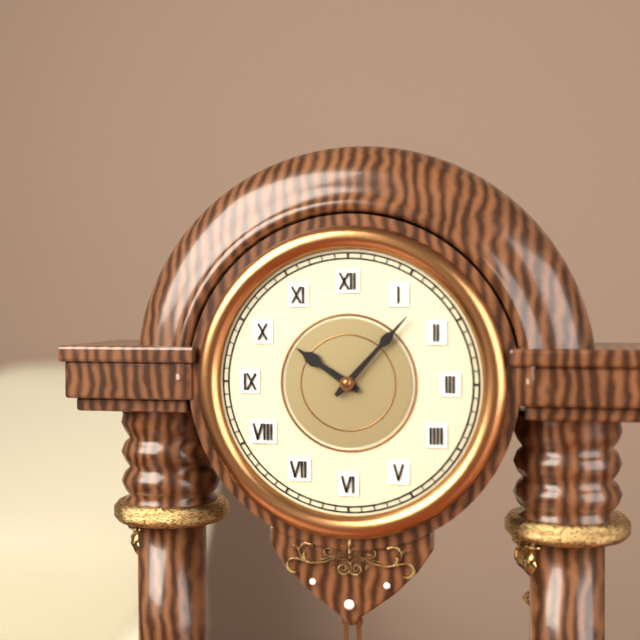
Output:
**10:07**
